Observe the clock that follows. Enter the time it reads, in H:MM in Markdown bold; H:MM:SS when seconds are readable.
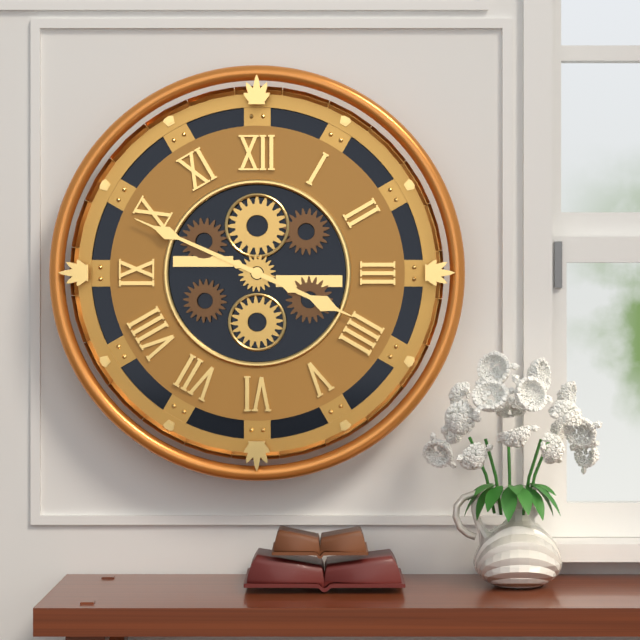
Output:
**3:49**
